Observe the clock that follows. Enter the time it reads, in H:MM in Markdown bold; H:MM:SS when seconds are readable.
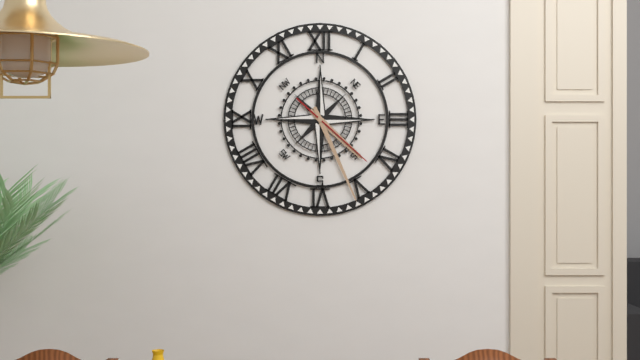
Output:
**4:26:22**
